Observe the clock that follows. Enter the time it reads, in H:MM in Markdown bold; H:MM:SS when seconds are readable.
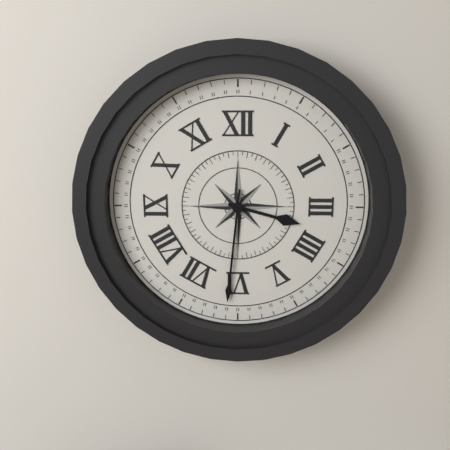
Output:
**3:31**
